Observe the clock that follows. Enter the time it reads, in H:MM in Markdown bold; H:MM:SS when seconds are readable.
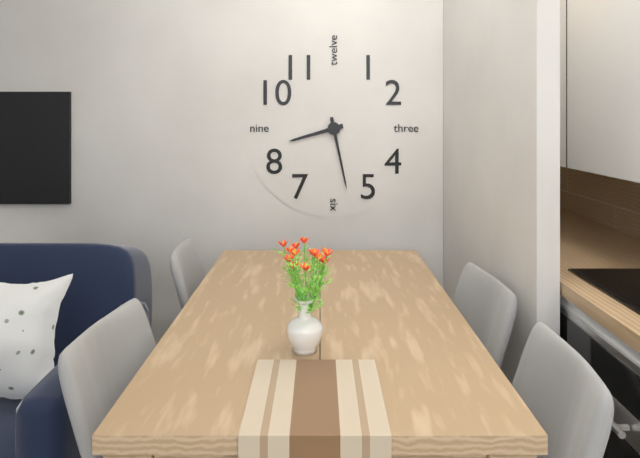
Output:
**8:28**
